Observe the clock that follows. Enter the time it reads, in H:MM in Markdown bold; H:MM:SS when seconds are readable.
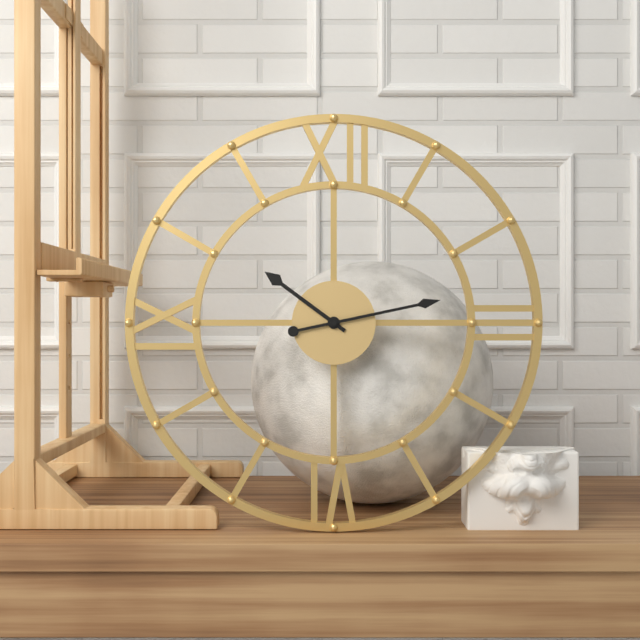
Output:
**10:13**
